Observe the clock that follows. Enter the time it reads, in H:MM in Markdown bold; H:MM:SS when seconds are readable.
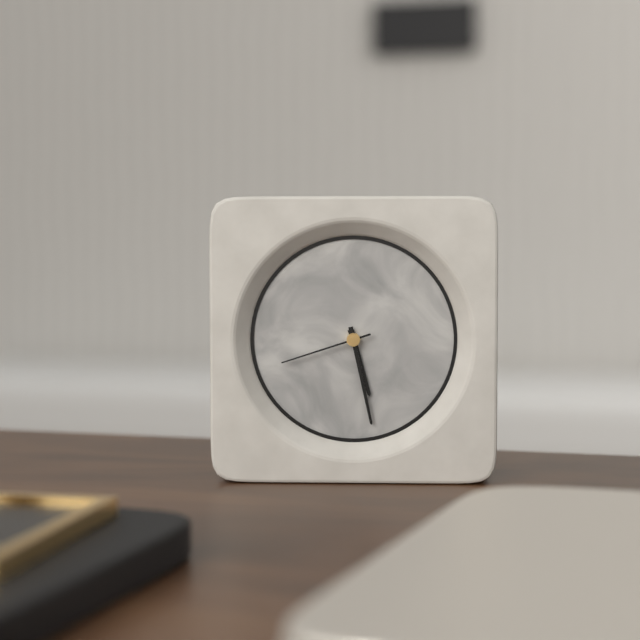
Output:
**5:28:42**
